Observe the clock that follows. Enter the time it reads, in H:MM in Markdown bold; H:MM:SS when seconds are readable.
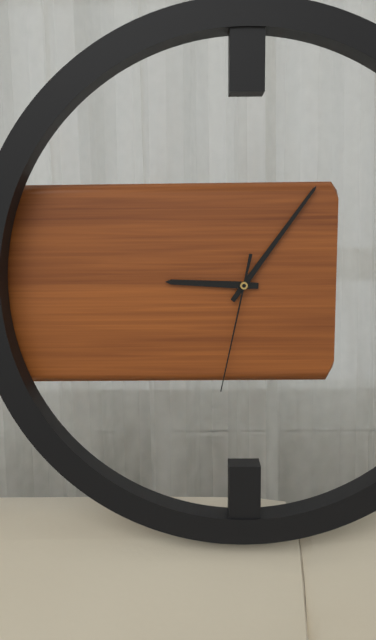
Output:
**9:06:32**
